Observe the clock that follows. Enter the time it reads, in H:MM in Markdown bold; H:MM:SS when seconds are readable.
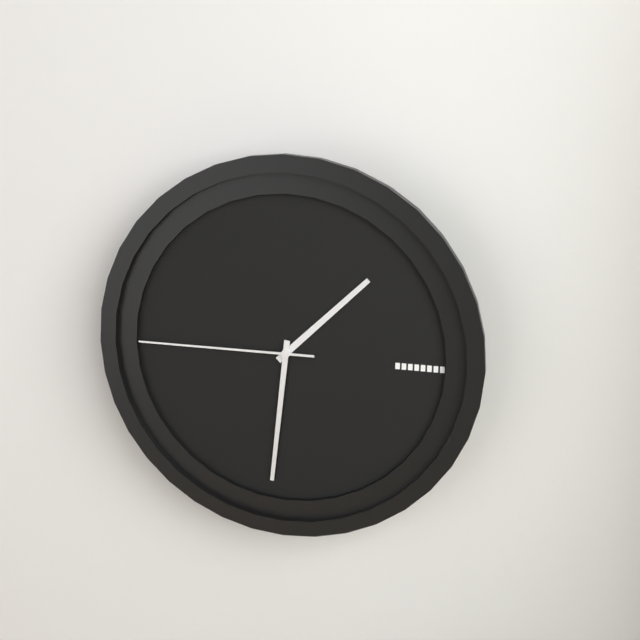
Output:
**1:31:45**
